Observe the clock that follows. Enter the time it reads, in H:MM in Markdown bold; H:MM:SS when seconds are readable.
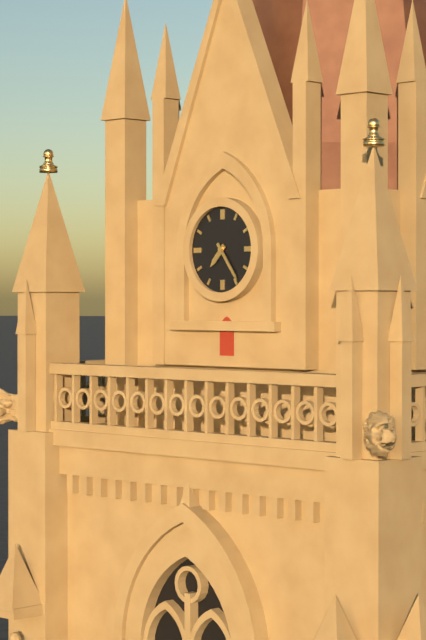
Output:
**7:24**
